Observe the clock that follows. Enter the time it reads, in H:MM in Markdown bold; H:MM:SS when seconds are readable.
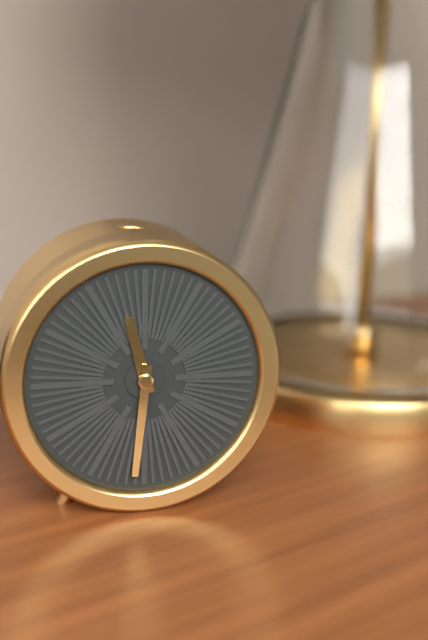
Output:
**11:31**
